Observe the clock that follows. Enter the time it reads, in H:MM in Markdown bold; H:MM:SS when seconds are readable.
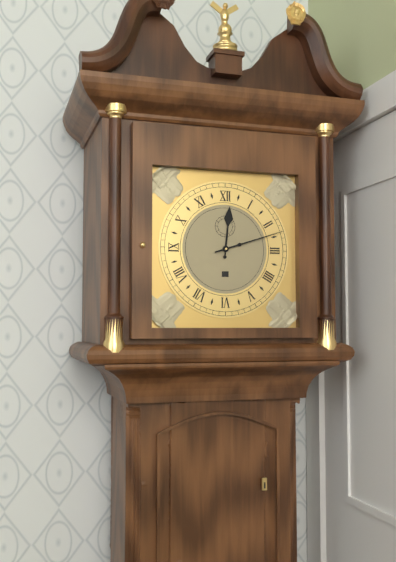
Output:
**12:12**
